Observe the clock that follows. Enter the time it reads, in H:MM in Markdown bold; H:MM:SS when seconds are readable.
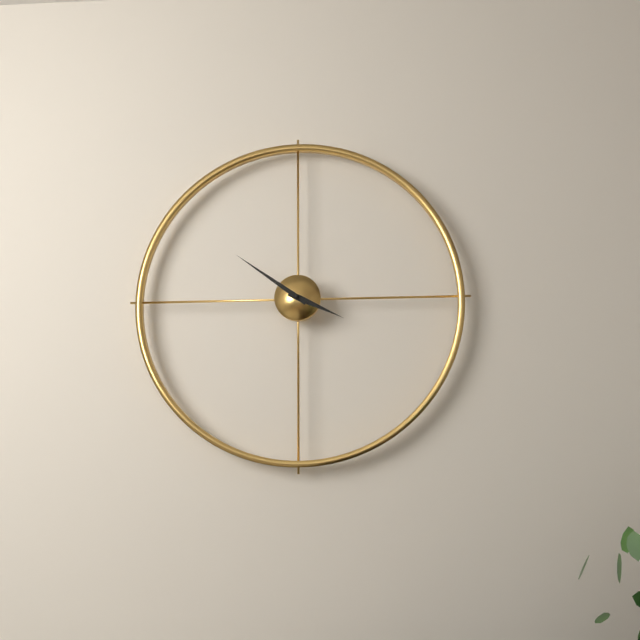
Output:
**3:51**
